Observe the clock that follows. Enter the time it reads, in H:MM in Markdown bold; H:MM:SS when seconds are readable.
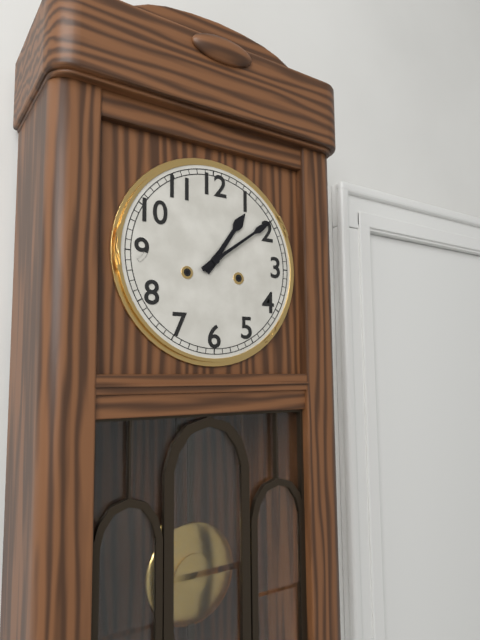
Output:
**1:09**
